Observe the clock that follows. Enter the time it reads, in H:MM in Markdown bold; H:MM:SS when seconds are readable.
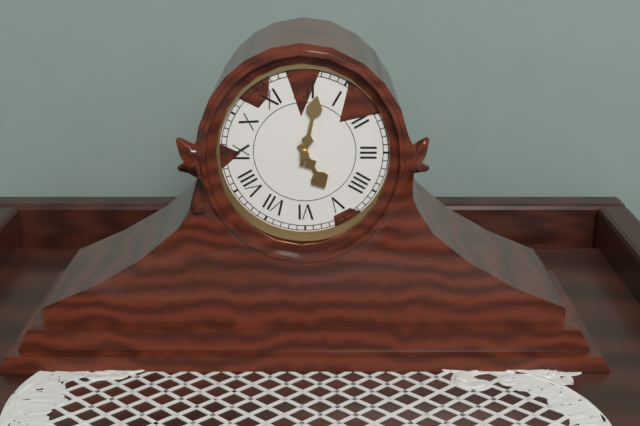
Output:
**5:02**
